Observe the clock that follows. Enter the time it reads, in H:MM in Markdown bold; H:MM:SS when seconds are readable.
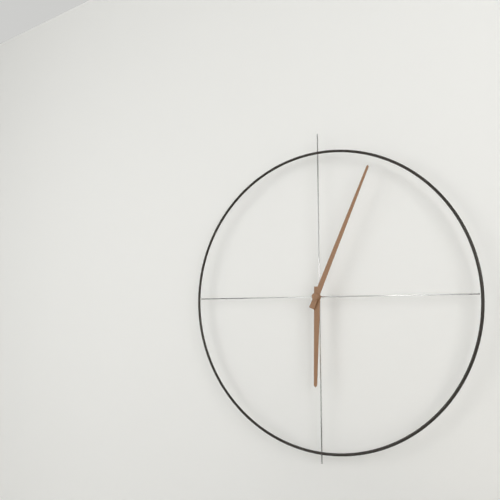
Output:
**6:04**
